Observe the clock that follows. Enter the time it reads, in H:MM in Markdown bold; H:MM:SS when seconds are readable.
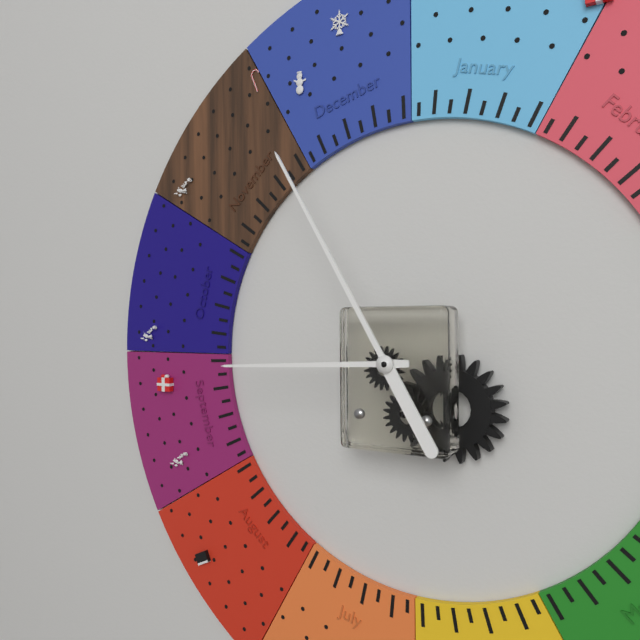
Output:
**8:55**
